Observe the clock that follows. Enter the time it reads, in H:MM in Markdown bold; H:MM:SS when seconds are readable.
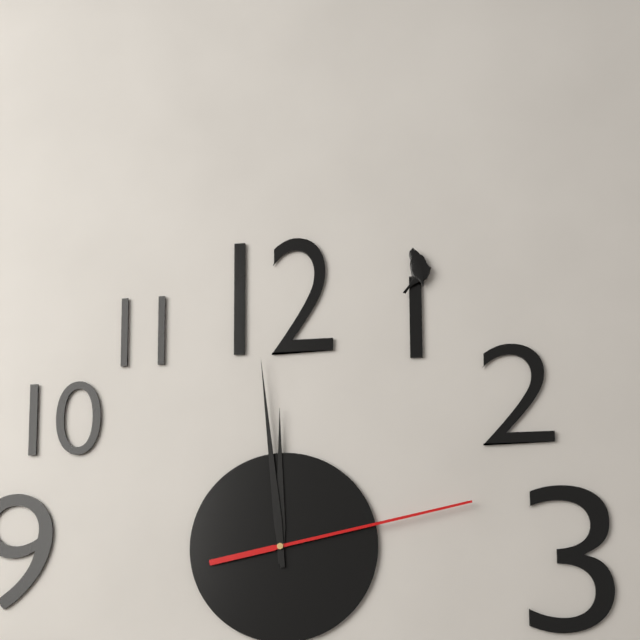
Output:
**11:59:13**
